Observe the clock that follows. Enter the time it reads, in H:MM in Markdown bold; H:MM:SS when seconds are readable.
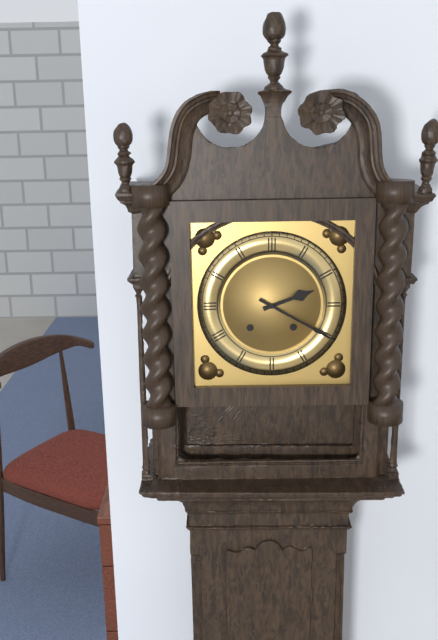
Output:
**2:20**
